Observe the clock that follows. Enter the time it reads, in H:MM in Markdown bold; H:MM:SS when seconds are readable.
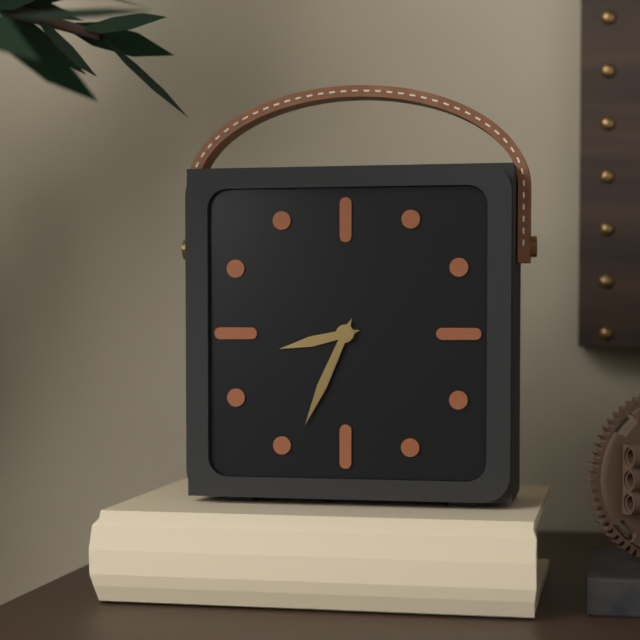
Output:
**8:34**
